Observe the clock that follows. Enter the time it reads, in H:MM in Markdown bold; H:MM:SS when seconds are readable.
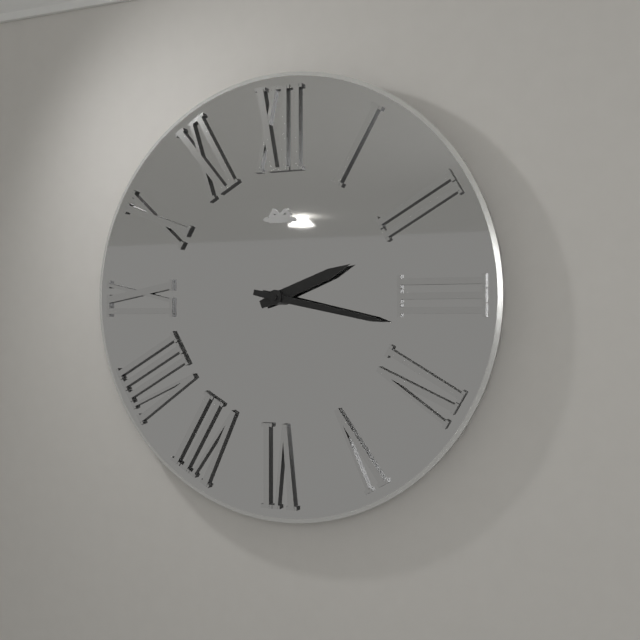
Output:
**2:17**
